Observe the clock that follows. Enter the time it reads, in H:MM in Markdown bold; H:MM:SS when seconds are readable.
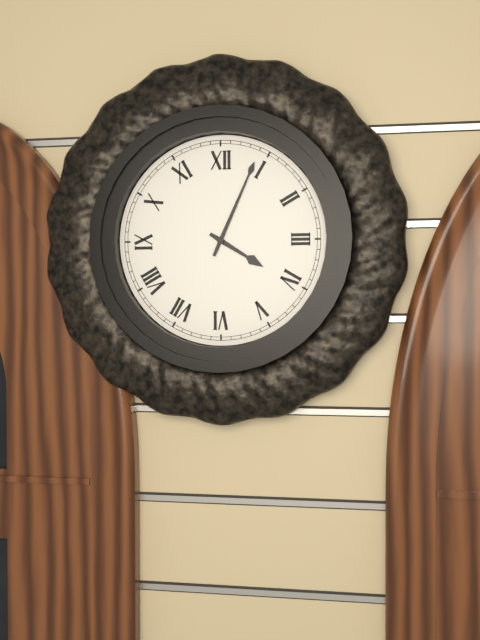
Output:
**4:04**
